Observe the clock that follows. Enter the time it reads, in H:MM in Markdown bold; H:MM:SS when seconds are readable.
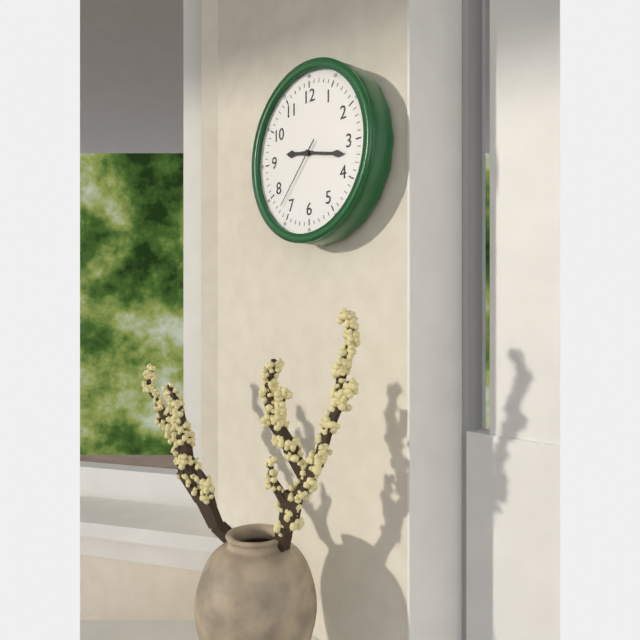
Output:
**9:17:37**
